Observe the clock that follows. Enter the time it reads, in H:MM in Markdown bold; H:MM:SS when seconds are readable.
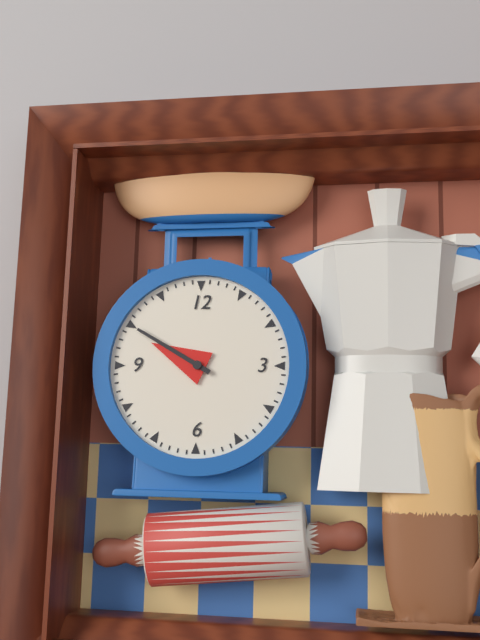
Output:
**9:50**
